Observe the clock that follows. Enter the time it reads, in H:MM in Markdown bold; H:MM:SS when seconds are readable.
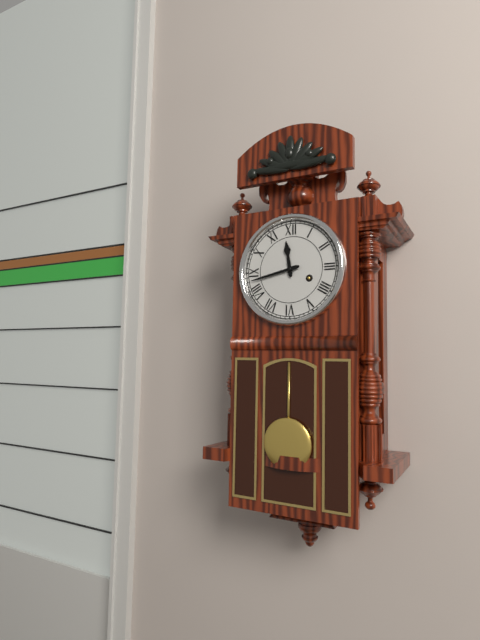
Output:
**11:43**
